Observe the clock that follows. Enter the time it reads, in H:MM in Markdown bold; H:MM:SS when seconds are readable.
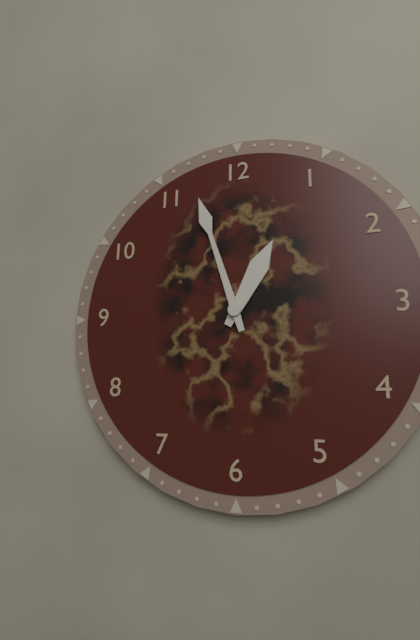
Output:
**12:57**
